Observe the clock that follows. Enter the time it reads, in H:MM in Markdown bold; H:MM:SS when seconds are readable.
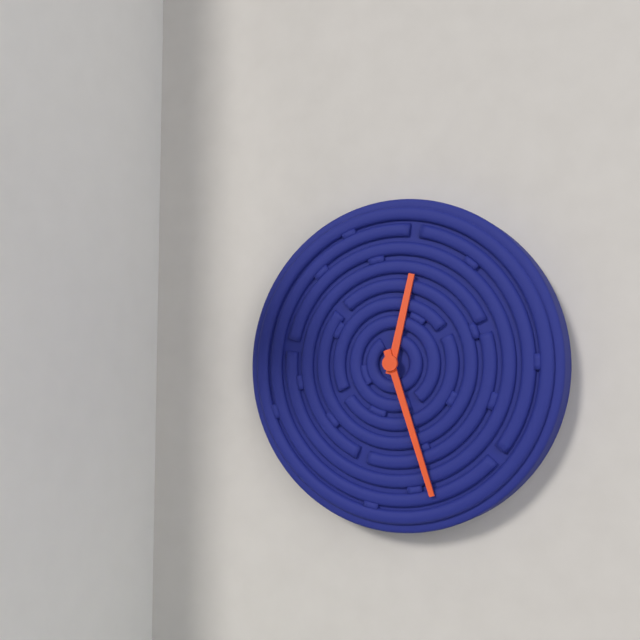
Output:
**12:27**
